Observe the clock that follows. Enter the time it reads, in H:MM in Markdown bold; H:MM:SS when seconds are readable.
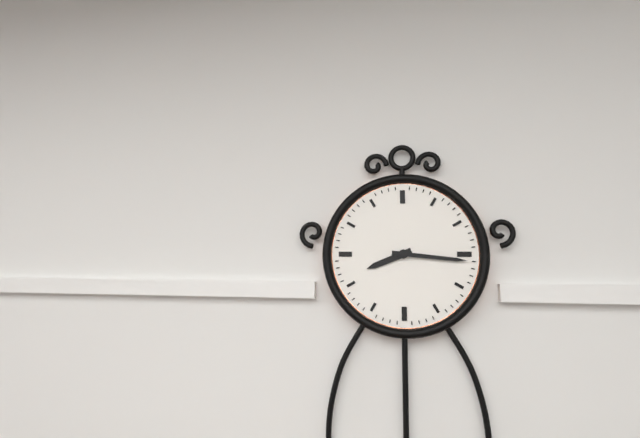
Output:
**8:16**
